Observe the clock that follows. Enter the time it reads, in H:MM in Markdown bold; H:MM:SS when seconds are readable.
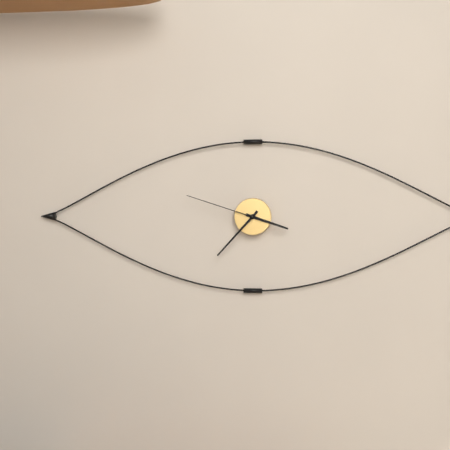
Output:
**3:37:48**
